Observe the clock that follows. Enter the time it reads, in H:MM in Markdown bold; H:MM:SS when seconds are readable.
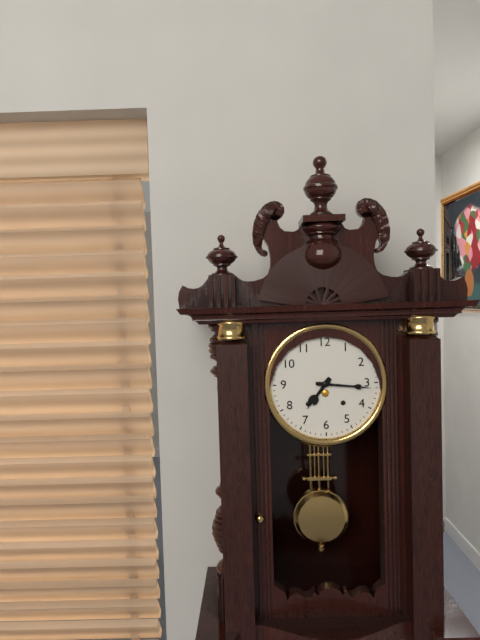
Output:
**7:16**
